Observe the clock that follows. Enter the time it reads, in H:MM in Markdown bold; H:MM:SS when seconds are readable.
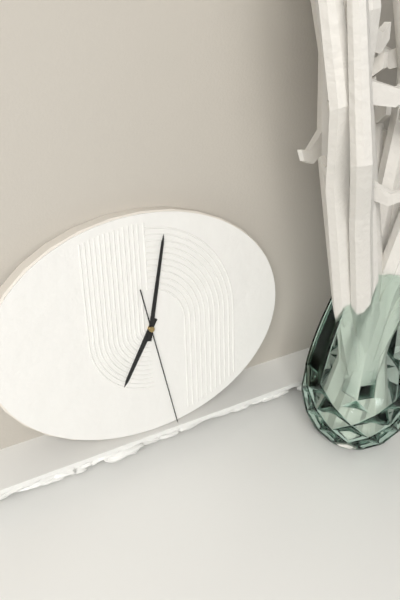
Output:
**7:02:28**
